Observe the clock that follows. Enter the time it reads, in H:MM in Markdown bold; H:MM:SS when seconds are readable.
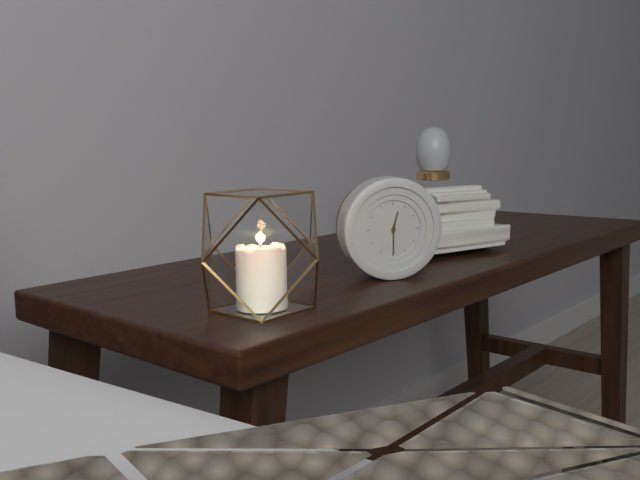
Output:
**12:30**
